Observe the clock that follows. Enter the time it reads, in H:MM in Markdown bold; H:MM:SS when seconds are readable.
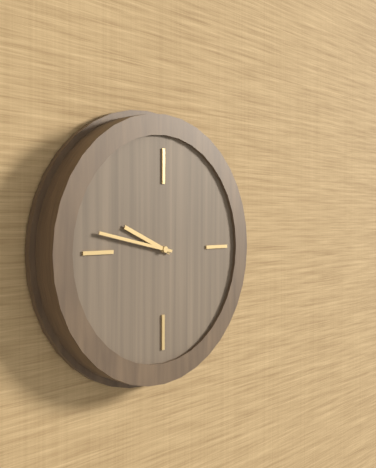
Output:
**9:47**
